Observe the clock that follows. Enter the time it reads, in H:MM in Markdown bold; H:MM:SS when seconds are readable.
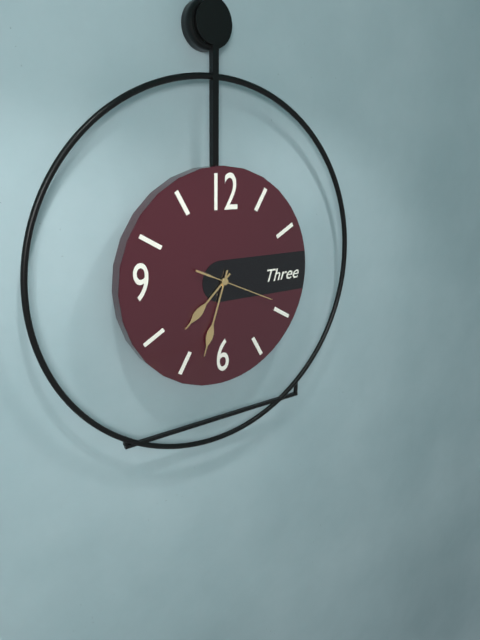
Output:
**7:33:19**
